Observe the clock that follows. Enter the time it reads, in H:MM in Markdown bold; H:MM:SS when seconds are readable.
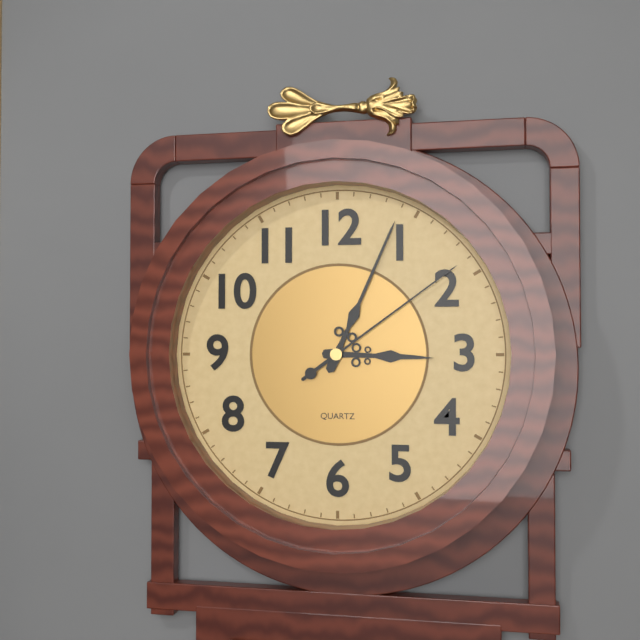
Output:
**3:04:09**
